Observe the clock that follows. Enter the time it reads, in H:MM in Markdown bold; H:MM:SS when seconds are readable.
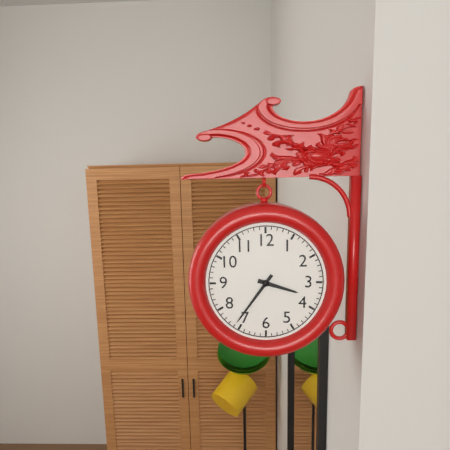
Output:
**3:36**
